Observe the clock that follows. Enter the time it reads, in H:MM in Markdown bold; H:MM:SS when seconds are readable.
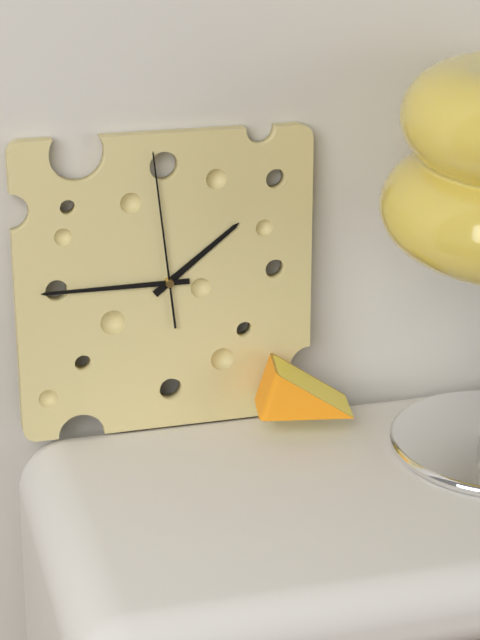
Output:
**1:45:59**
